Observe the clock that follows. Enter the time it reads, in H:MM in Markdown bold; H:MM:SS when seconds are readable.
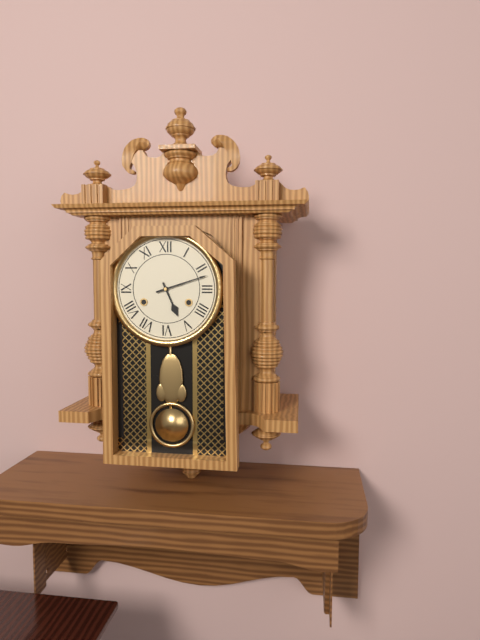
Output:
**5:12**
